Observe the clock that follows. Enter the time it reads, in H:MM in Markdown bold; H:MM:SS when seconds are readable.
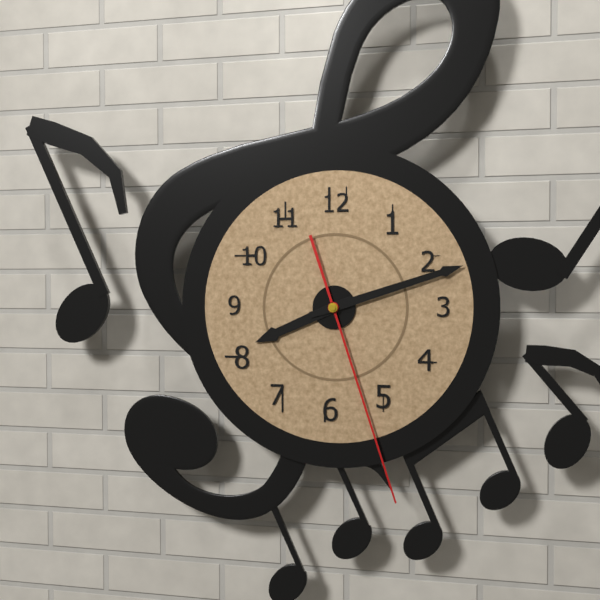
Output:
**8:12:27**
